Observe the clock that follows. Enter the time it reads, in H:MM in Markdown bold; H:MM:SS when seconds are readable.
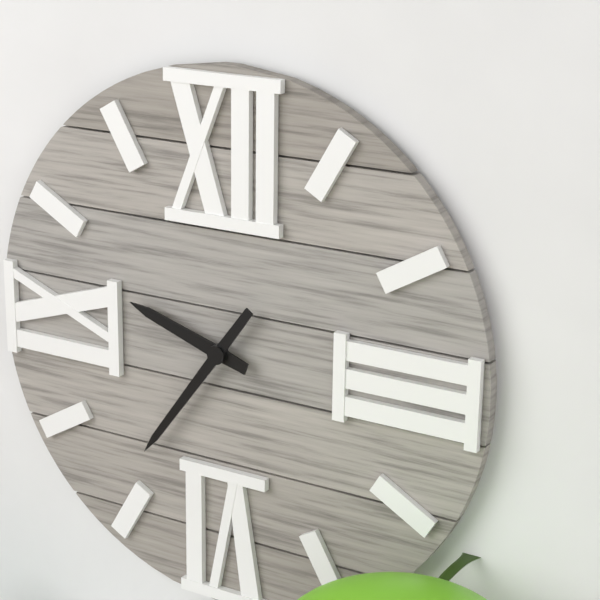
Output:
**9:36**
